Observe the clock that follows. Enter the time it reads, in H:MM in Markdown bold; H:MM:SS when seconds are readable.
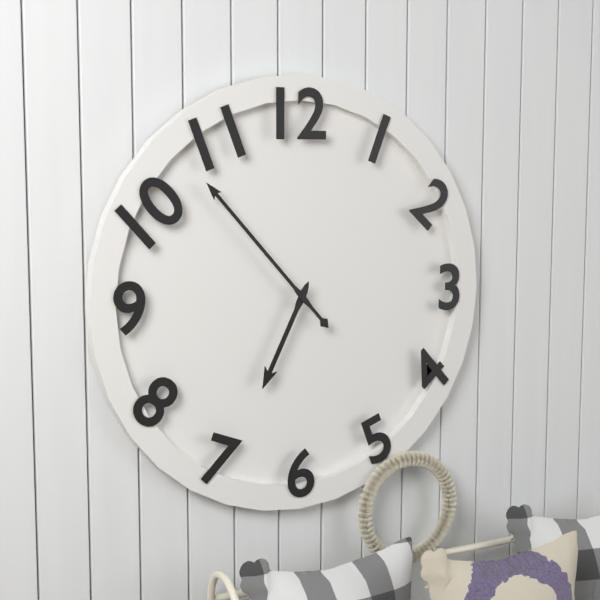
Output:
**6:53**
